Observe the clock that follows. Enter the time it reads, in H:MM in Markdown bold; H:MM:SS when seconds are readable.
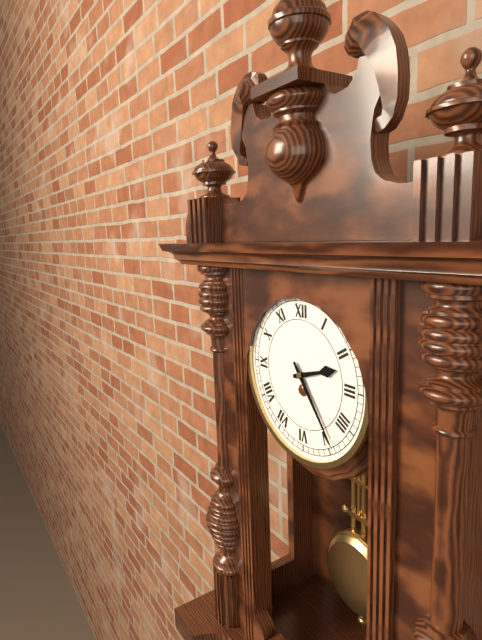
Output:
**2:24**
